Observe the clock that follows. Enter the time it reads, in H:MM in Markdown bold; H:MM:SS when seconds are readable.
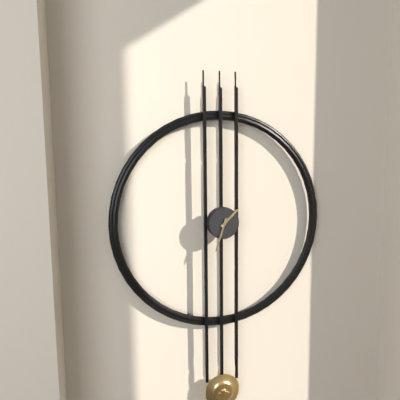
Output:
**1:33**
